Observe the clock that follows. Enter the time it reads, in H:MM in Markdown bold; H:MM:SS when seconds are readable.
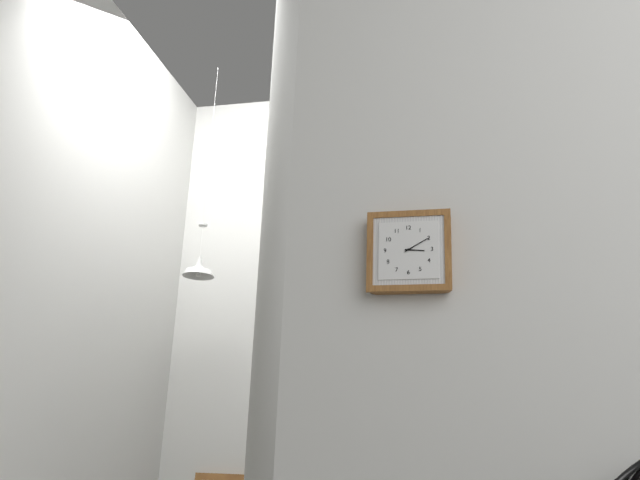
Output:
**3:10**
